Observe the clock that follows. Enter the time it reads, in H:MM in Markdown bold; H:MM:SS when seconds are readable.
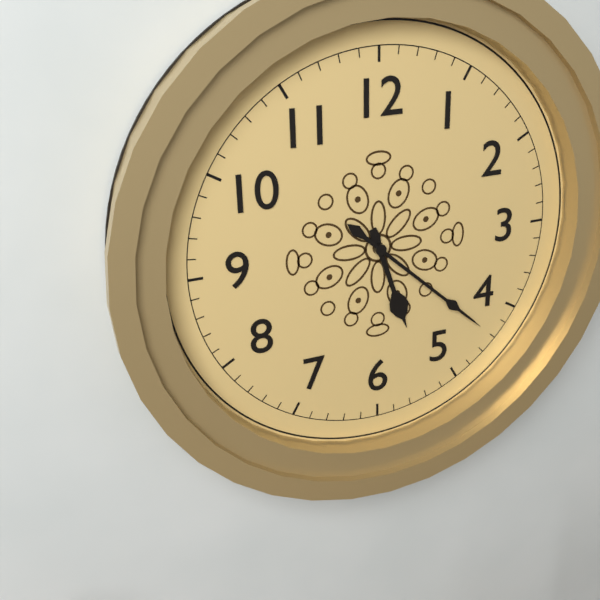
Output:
**5:22**
